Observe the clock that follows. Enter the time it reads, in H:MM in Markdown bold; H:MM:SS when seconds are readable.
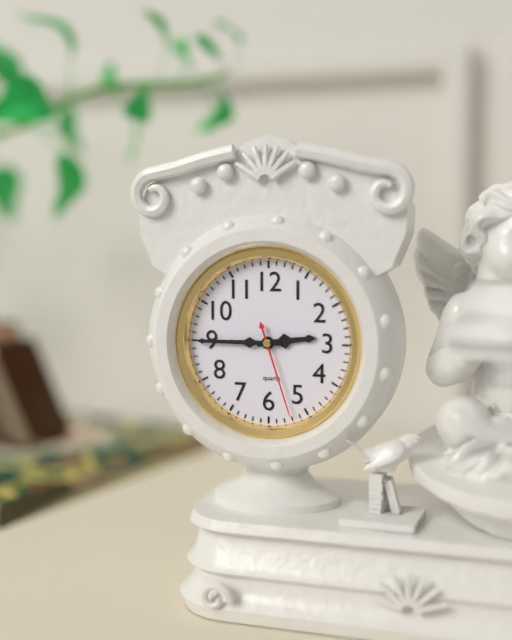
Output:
**2:45:27**
